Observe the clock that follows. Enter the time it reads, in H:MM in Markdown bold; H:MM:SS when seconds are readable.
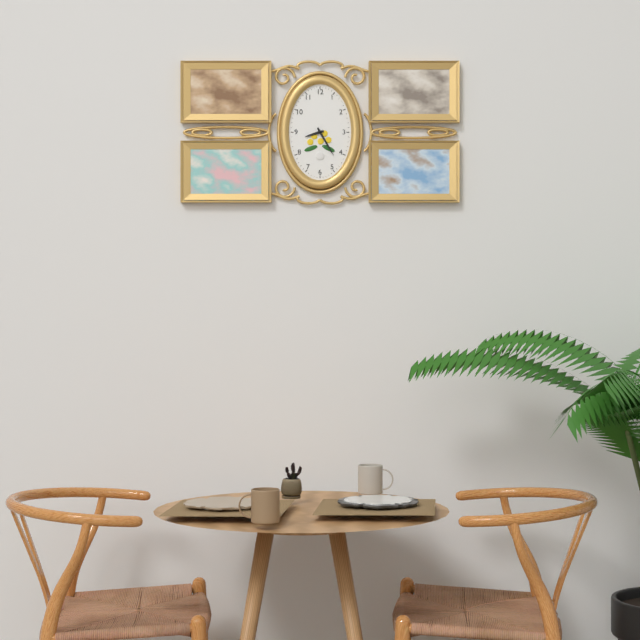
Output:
**8:25**
